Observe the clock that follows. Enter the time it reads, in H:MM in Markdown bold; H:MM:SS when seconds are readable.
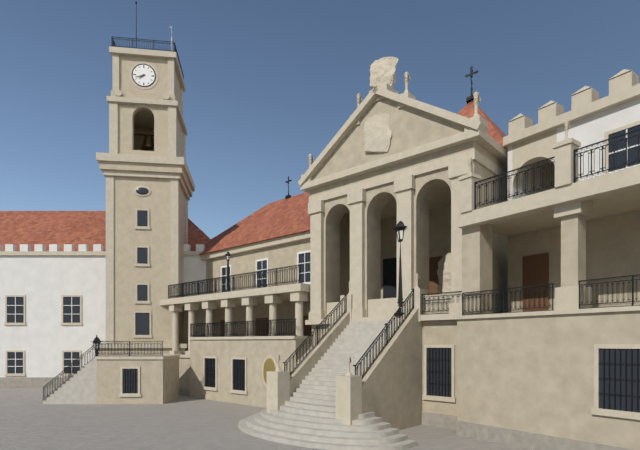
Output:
**7:42**
